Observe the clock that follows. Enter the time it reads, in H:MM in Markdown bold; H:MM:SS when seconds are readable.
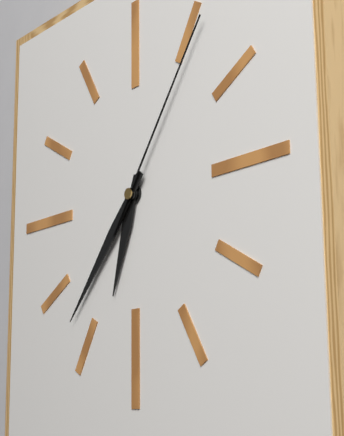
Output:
**6:37:06**
